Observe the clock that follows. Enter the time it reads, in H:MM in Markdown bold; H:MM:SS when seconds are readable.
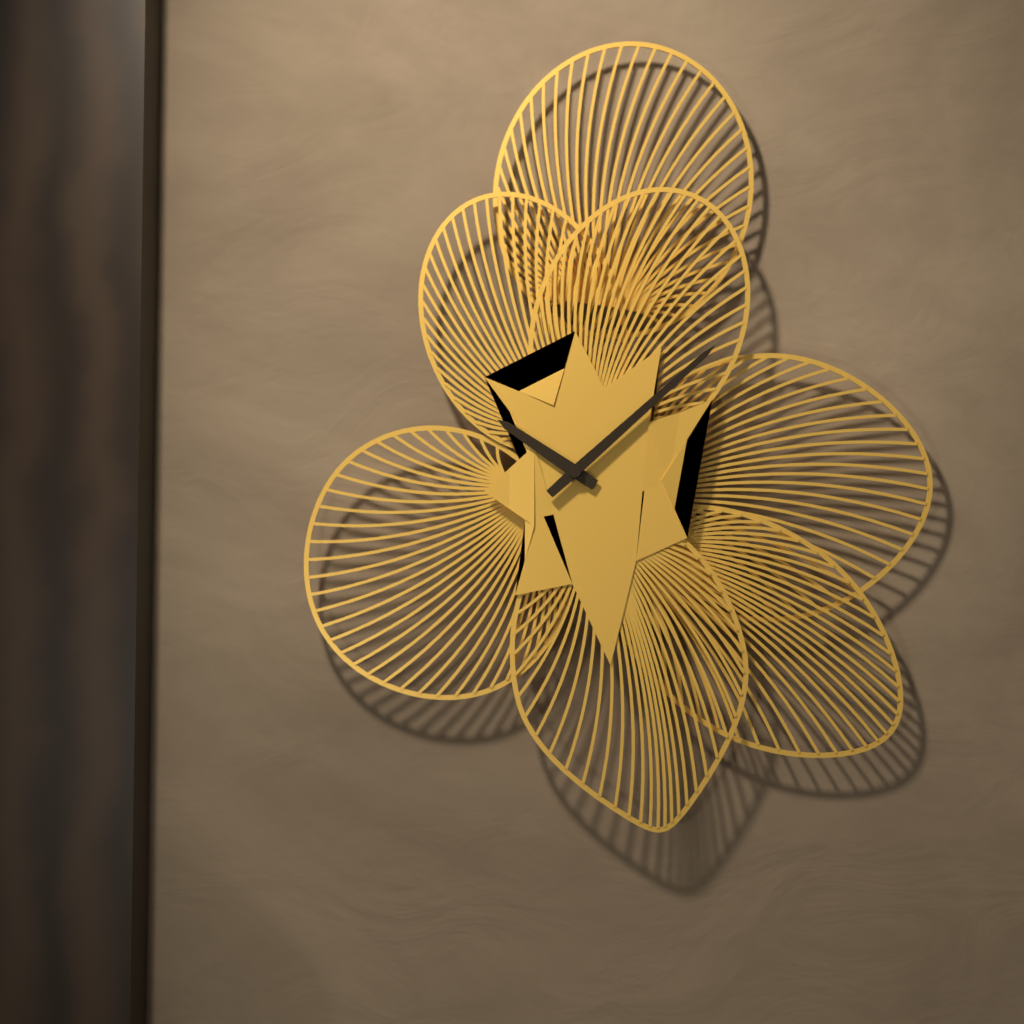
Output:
**10:08**
